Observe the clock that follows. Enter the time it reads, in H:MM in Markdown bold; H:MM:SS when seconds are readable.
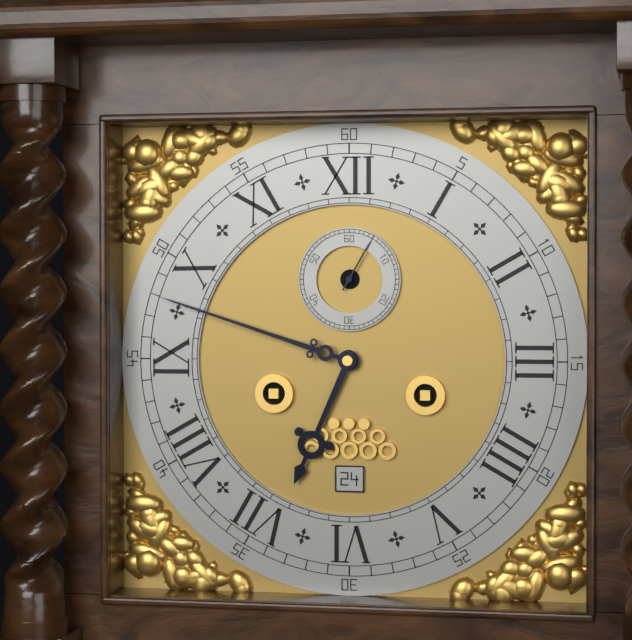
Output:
**6:48:05**
